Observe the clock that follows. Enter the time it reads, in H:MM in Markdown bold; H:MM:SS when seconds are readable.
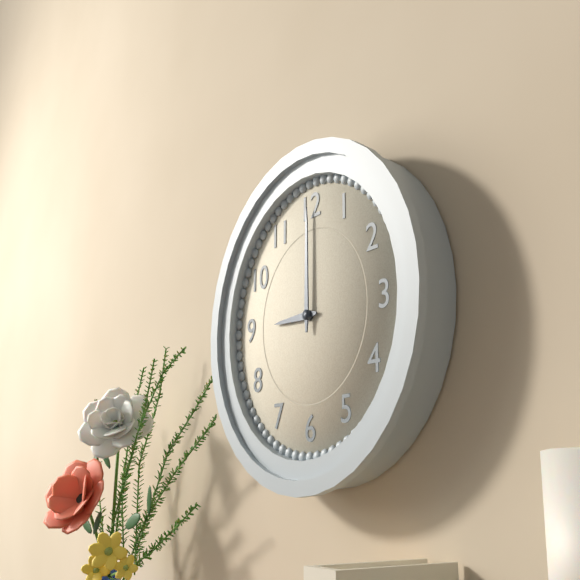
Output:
**9:00**
